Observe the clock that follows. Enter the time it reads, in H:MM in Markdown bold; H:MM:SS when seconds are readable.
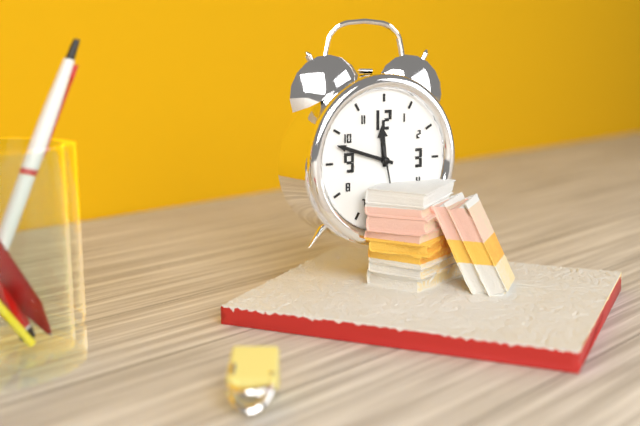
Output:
**11:48**
